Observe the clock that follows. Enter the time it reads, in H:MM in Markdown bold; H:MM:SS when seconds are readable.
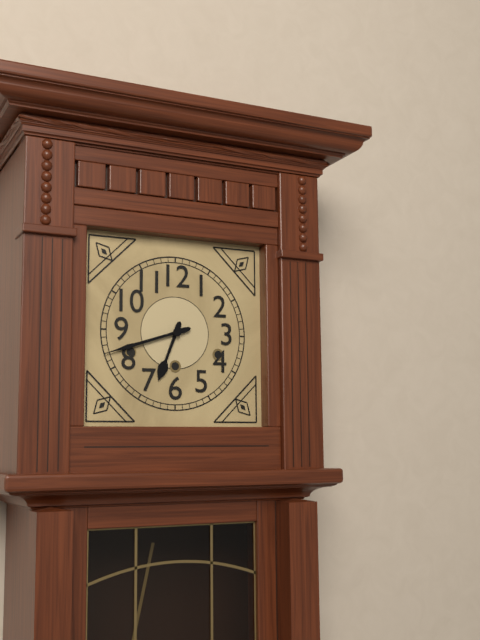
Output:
**6:42**
